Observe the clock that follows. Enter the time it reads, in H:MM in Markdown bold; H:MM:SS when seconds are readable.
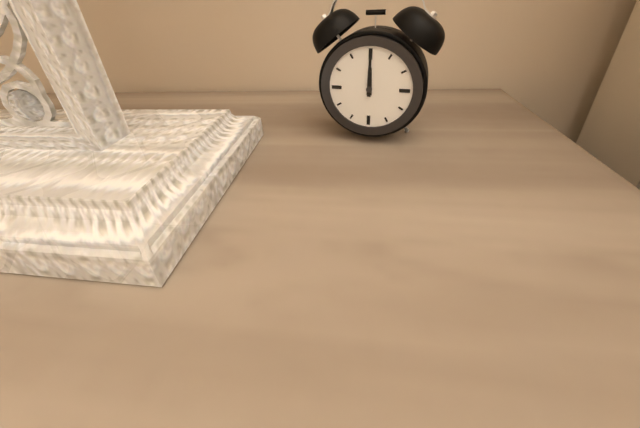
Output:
**12:00**
